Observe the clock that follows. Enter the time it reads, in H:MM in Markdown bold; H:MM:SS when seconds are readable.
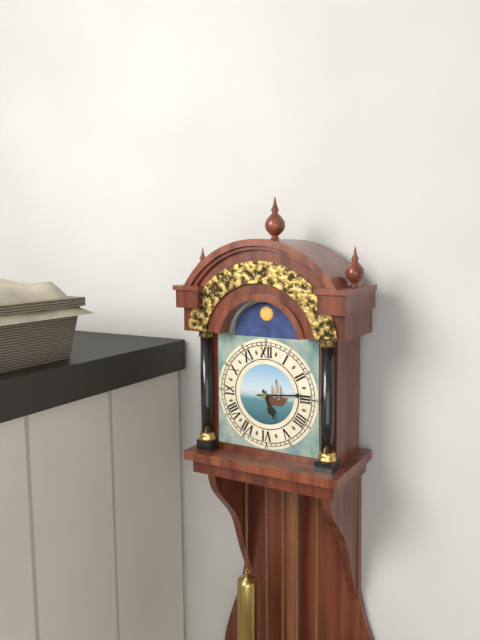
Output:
**5:14**
